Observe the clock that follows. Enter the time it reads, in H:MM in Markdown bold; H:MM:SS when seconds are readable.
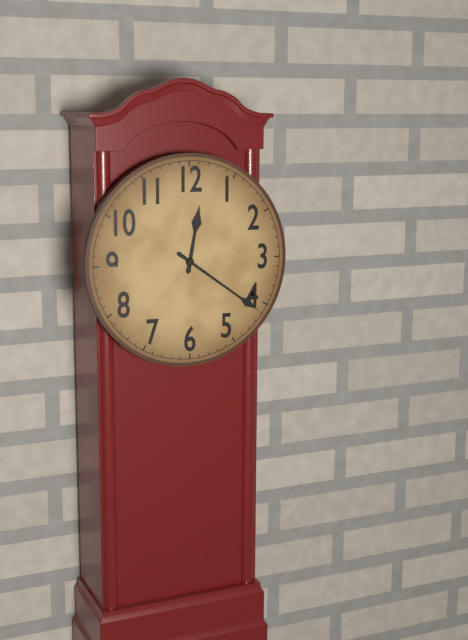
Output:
**12:21**
